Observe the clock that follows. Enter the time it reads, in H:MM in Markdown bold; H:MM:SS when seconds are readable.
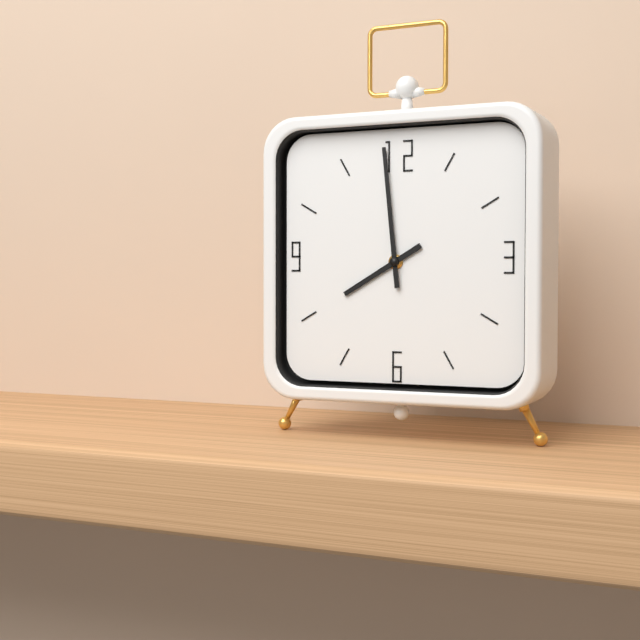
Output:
**7:59**
